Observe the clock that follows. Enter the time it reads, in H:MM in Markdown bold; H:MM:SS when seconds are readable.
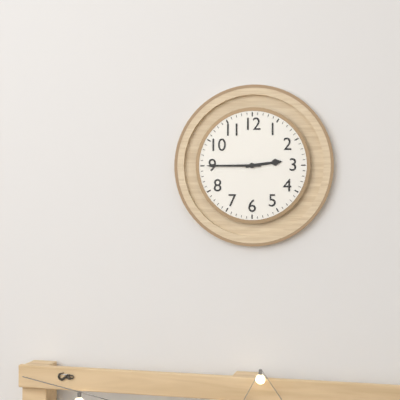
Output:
**2:45**
